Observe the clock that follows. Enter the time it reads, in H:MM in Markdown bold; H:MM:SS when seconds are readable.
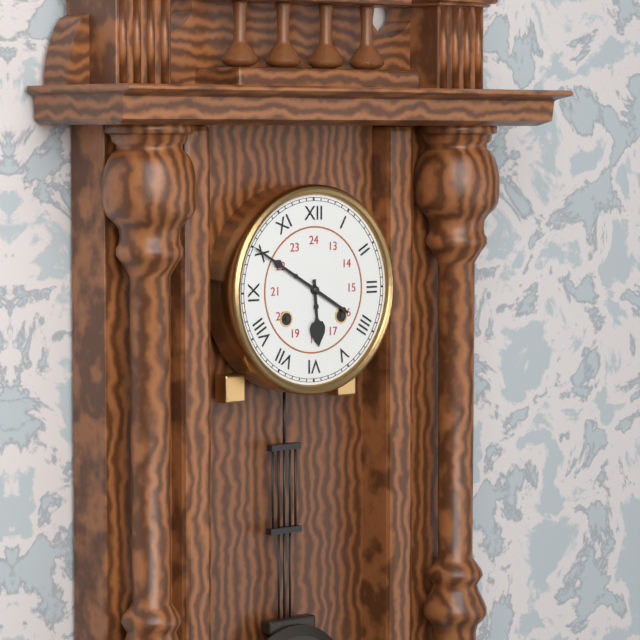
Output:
**5:50**
